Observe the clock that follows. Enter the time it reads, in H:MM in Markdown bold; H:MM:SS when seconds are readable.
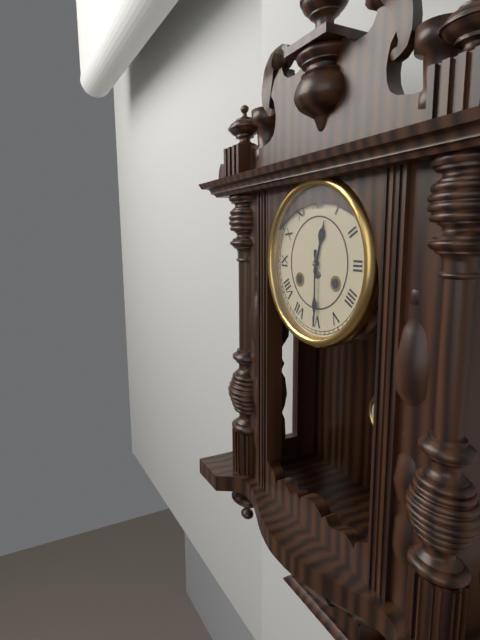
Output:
**12:30**
